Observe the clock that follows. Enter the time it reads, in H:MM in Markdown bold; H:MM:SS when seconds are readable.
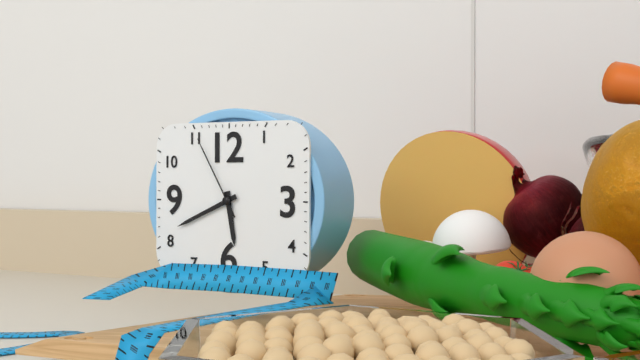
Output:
**5:41:55**
